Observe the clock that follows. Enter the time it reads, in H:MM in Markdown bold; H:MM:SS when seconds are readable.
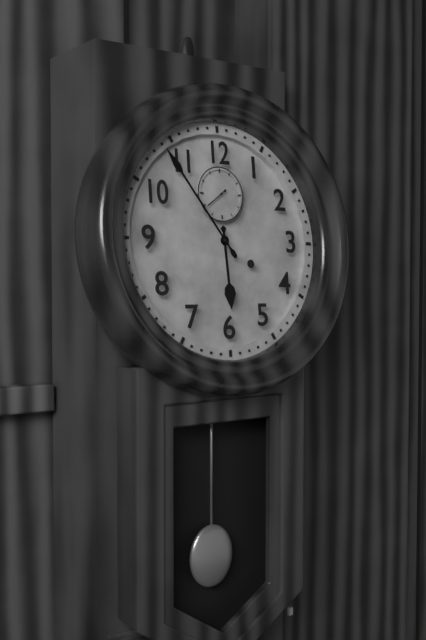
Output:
**5:54**
